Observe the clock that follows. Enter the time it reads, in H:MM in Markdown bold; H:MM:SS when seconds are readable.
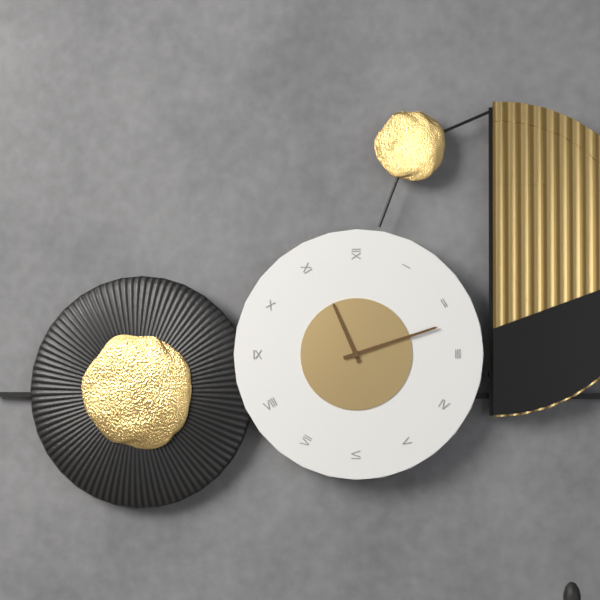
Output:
**11:12**
